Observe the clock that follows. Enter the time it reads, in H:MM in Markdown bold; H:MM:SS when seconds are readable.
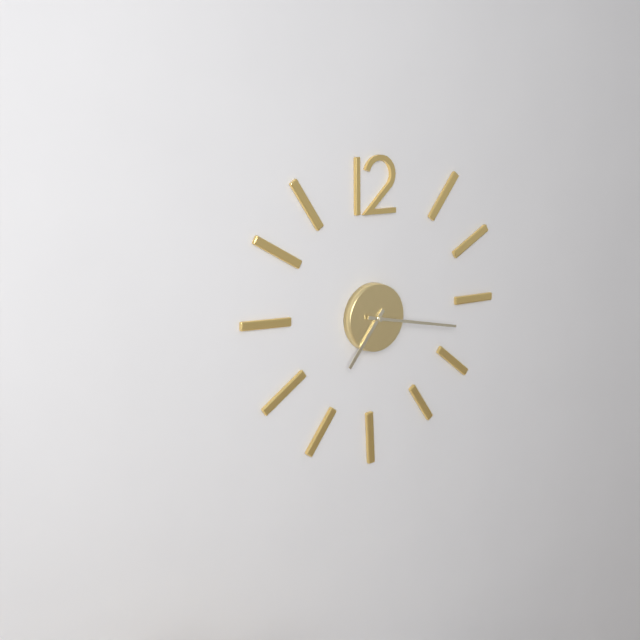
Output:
**7:17**
